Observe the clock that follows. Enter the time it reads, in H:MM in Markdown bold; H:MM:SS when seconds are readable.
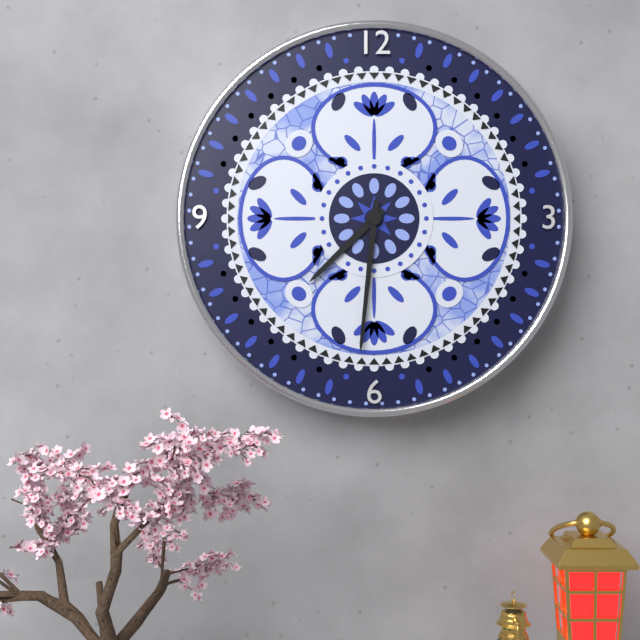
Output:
**7:31**
